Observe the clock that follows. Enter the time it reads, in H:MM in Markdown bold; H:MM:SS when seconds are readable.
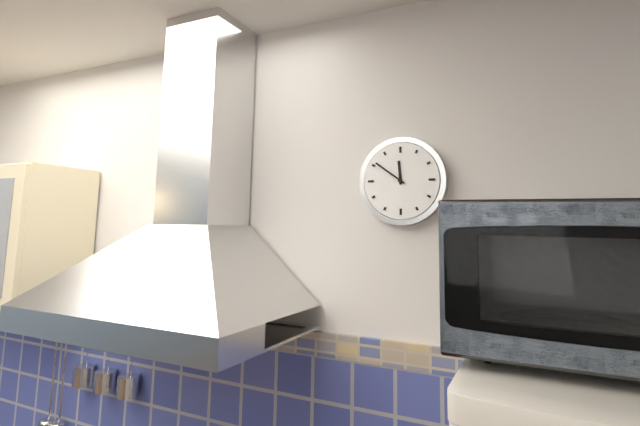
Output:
**11:51**
